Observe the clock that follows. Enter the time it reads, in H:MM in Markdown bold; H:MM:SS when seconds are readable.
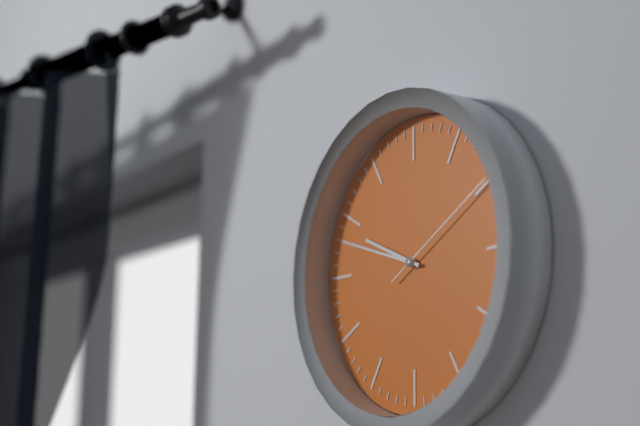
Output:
**9:48:10**
